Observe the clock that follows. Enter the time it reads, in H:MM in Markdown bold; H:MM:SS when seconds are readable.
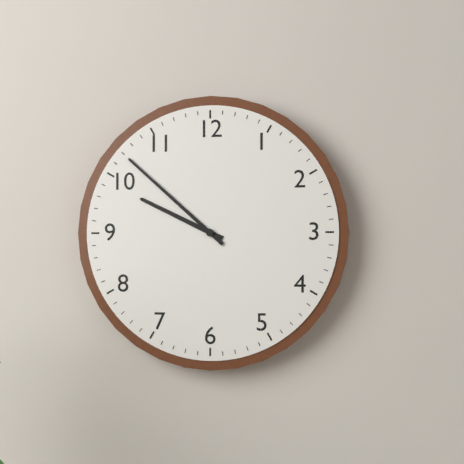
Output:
**9:52**
